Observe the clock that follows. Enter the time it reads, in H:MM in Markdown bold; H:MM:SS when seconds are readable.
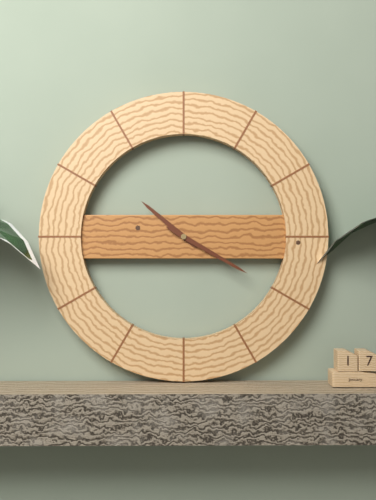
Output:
**10:20**
